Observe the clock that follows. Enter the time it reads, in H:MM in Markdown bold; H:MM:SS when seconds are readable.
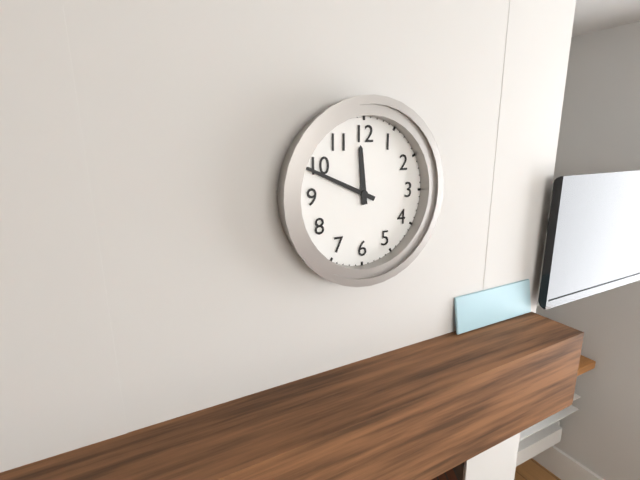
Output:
**11:49**
